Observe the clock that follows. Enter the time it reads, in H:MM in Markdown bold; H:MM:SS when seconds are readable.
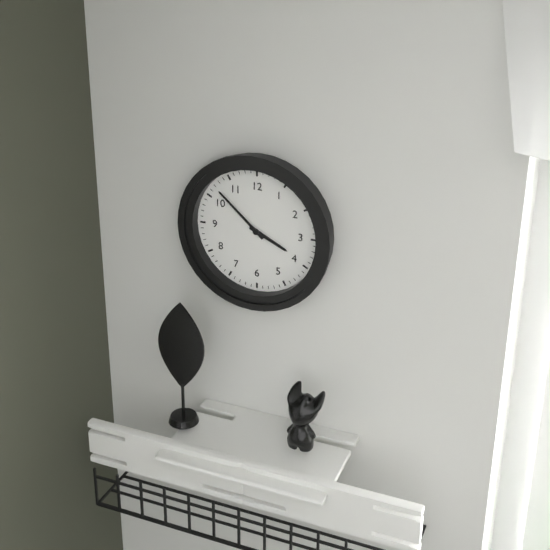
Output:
**3:52**
